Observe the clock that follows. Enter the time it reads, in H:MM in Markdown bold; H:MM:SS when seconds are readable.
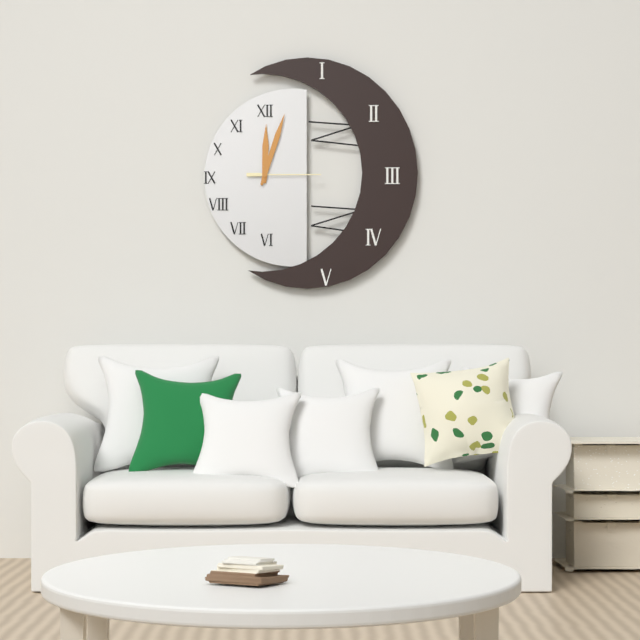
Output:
**12:03:15**
